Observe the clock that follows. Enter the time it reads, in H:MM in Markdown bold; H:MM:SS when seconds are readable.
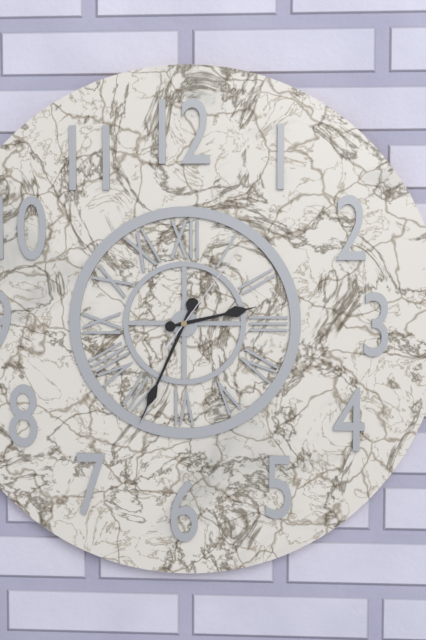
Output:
**2:34:06**
